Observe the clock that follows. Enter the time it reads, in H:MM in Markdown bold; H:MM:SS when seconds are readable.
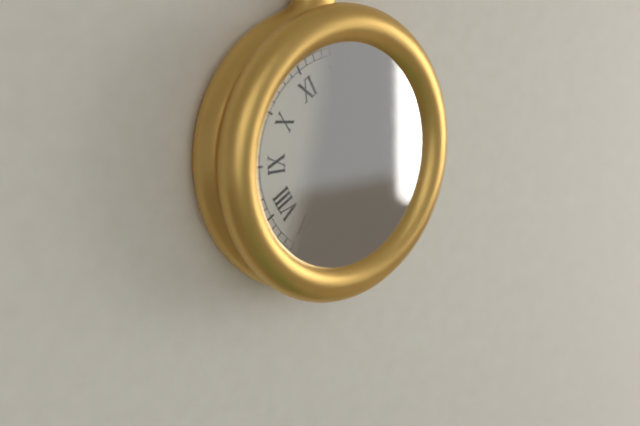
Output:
**5:12**
